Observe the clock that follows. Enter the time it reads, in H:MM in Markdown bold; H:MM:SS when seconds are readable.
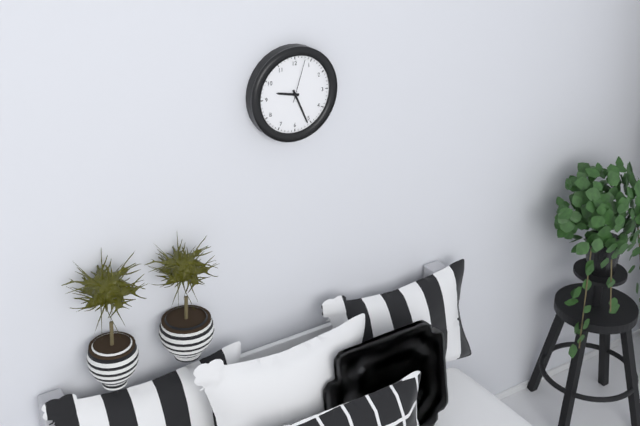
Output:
**9:26**
